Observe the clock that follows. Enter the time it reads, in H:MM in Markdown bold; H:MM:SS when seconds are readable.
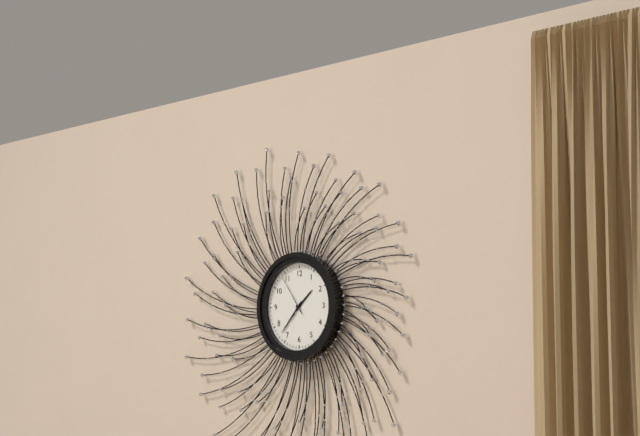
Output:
**1:37**
